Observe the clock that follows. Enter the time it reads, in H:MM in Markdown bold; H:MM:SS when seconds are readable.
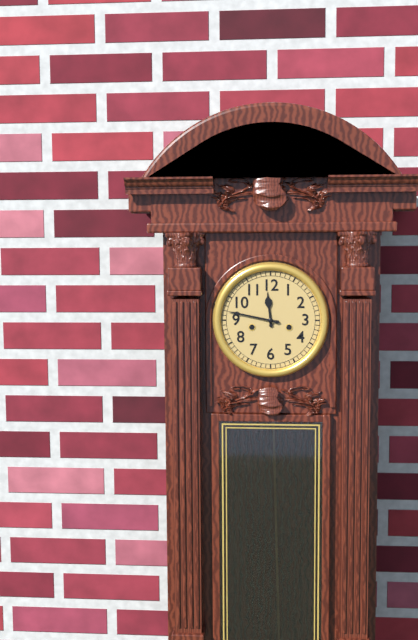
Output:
**11:47**
